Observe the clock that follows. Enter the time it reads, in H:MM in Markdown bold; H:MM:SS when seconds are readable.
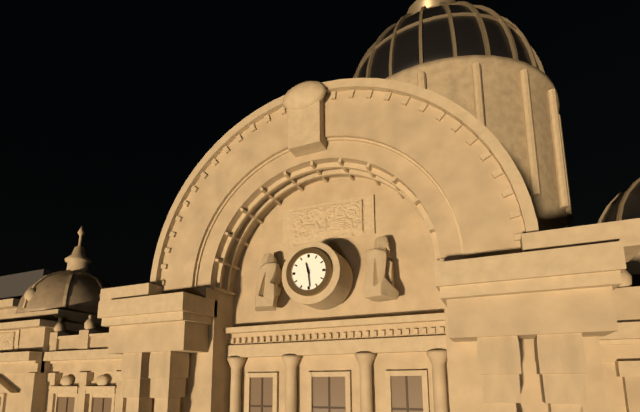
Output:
**11:29**
